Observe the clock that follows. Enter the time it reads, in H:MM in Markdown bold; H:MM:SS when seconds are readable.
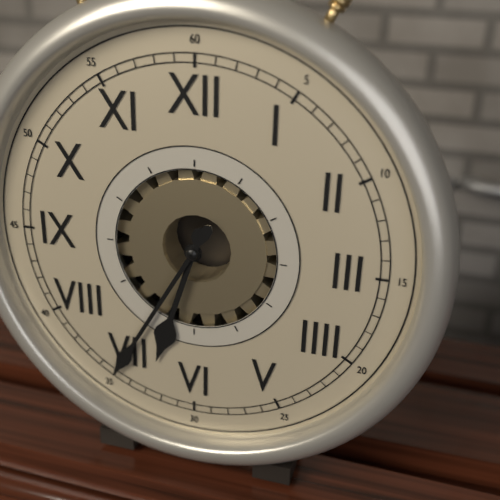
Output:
**6:35**
